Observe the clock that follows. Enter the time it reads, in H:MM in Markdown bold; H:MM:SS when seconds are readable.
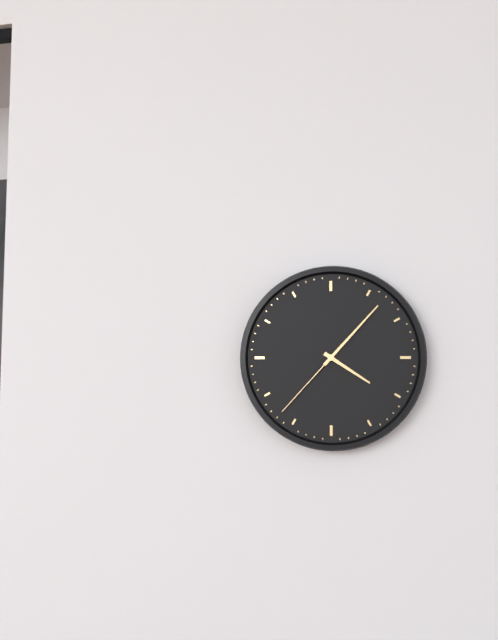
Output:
**4:07:37**
